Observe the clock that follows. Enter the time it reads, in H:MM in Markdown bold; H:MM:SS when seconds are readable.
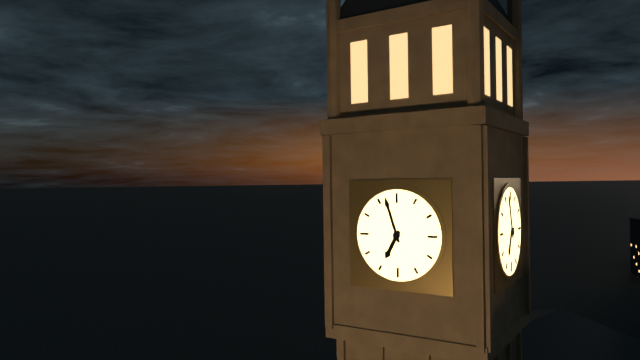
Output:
**6:57**
